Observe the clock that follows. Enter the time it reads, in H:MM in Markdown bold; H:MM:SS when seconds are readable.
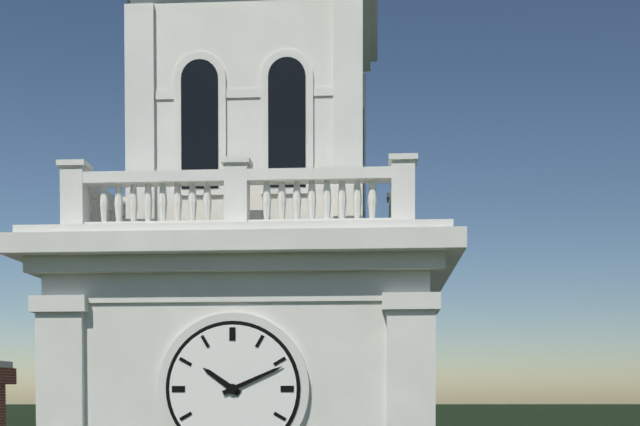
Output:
**10:11**
